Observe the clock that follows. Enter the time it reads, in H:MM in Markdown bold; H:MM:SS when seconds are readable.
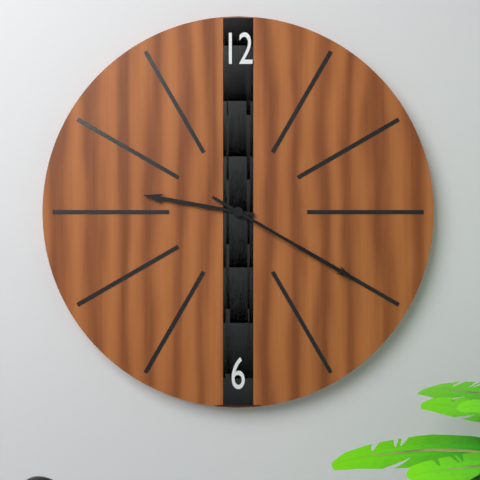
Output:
**9:20**
